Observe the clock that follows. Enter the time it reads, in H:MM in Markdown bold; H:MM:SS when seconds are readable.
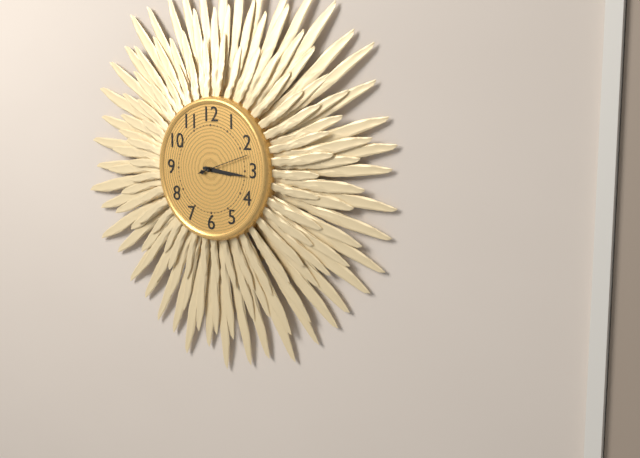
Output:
**3:16**
